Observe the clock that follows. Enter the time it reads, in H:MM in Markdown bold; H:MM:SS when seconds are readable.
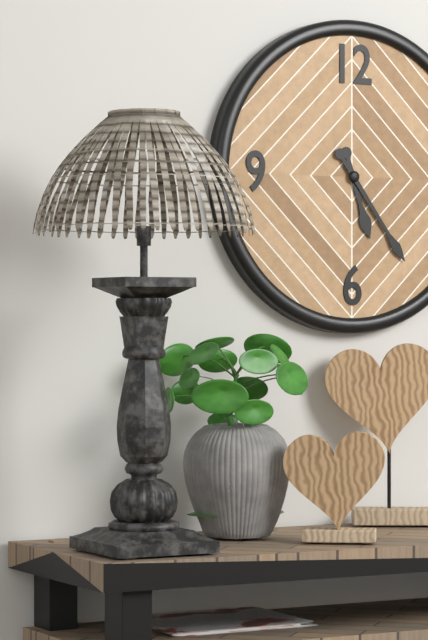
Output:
**5:24**
